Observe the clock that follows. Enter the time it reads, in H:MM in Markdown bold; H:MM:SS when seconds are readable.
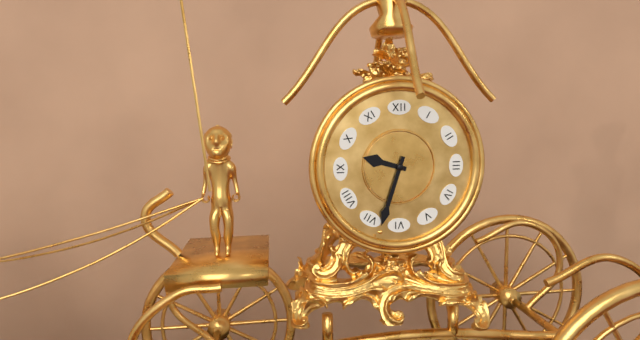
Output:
**9:33**
